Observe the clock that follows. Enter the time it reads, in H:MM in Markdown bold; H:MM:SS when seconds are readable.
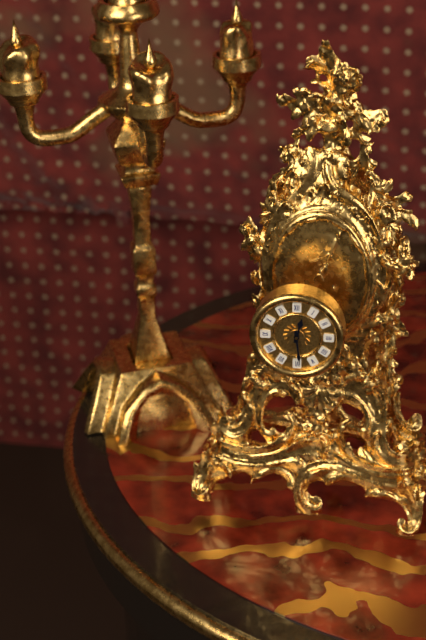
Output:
**12:29**
